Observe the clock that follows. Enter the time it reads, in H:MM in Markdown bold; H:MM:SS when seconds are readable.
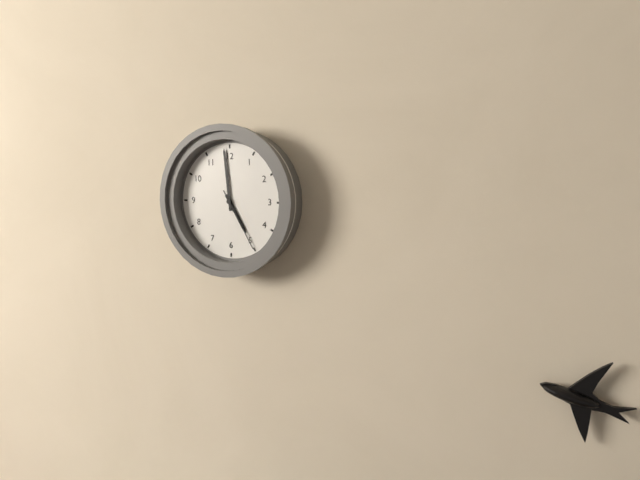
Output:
**4:59:25**
